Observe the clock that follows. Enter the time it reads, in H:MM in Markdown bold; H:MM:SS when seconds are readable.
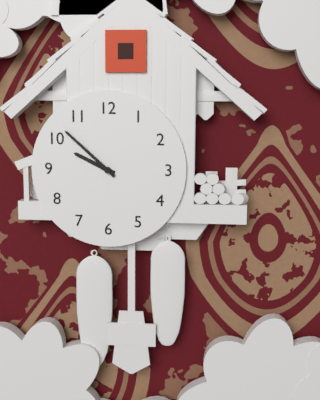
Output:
**9:52**
